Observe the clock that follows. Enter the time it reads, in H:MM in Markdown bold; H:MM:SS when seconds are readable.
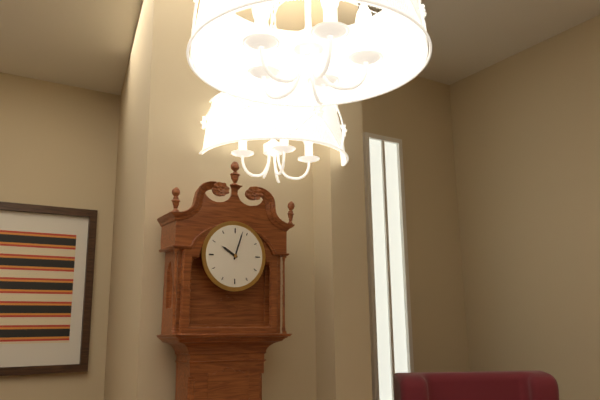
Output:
**10:03**
